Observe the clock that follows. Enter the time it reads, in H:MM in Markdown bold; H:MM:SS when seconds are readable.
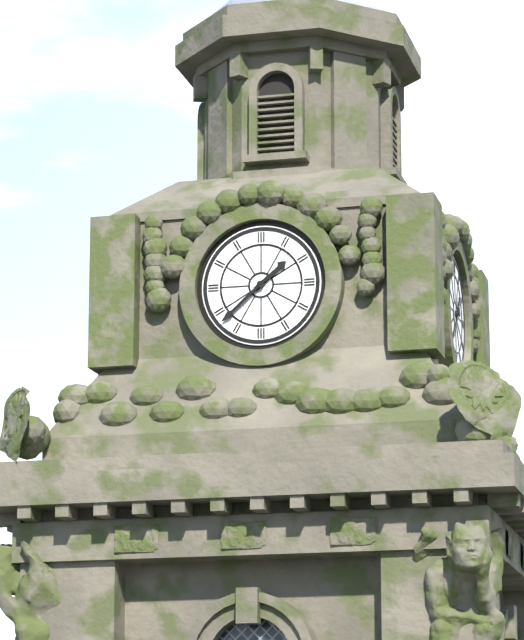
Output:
**1:38**
